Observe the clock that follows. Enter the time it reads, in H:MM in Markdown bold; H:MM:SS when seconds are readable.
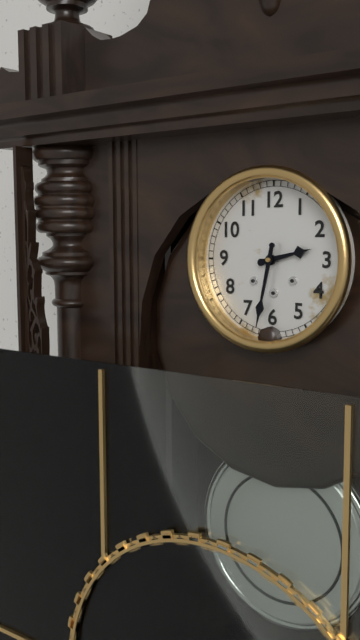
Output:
**2:32**
